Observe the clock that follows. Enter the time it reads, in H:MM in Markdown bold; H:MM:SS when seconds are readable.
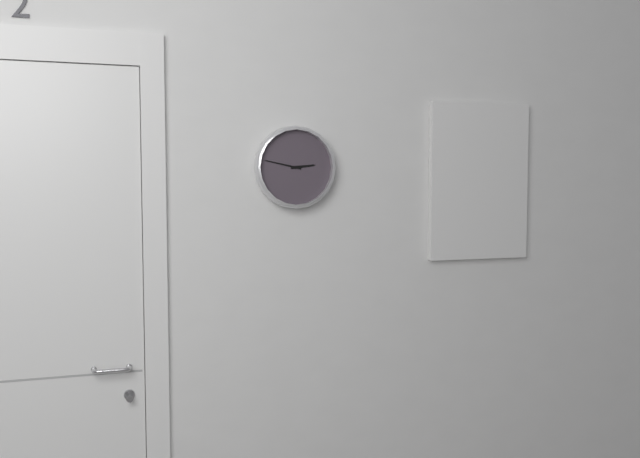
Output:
**2:47**
